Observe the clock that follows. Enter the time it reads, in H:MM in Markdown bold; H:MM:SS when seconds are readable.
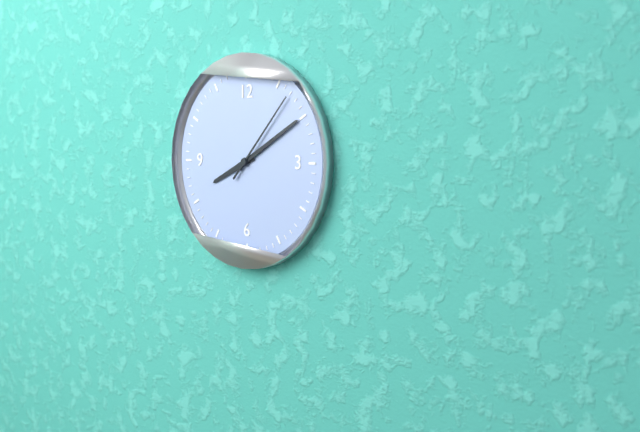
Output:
**8:10:07**
